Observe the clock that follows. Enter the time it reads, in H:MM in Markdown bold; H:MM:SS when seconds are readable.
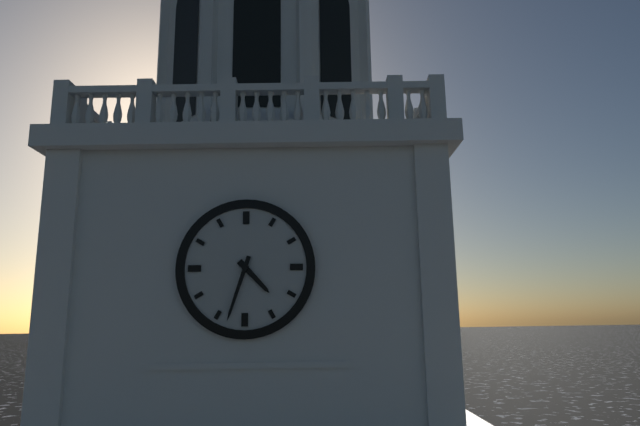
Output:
**4:33**
